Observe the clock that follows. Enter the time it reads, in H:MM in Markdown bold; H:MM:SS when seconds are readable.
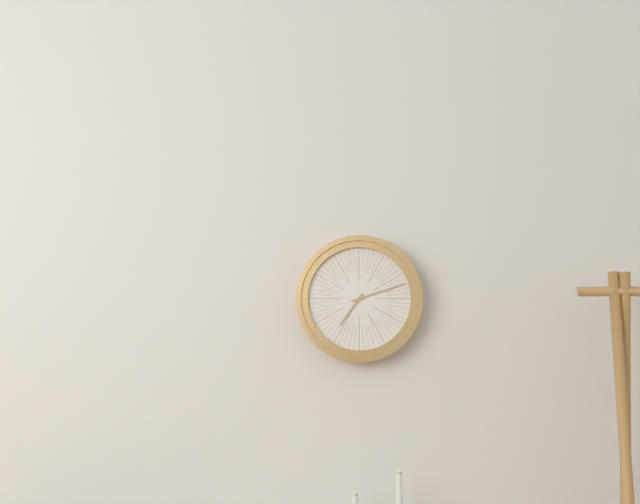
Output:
**7:12**
